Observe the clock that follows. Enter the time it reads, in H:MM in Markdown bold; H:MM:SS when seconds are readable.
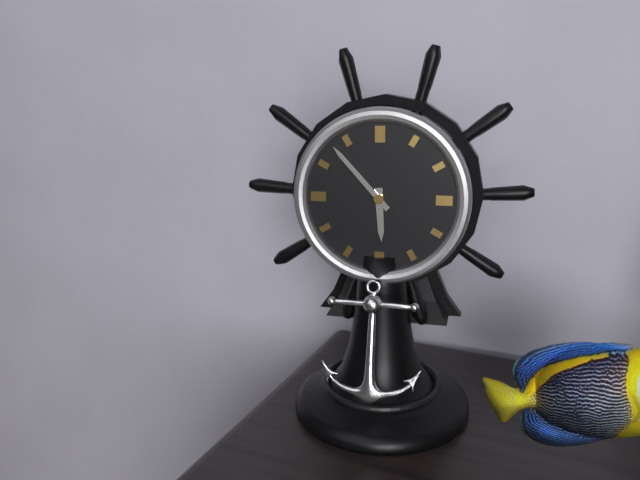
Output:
**5:53**
